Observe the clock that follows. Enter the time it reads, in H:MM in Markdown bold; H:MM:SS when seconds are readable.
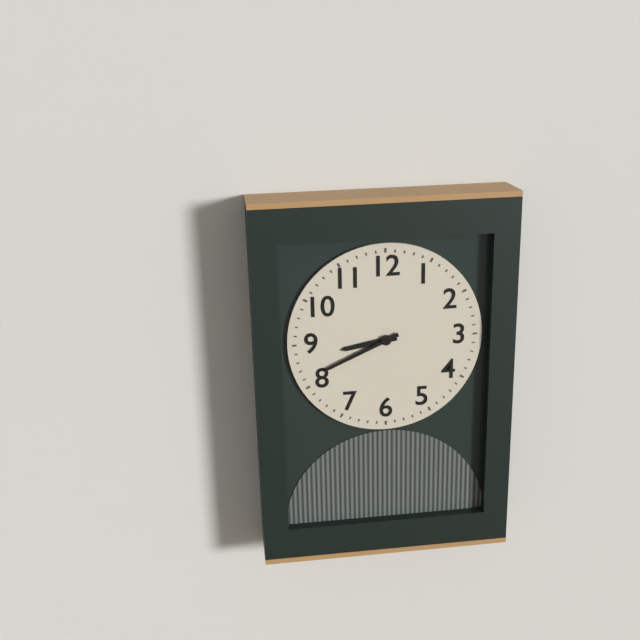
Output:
**8:41**
